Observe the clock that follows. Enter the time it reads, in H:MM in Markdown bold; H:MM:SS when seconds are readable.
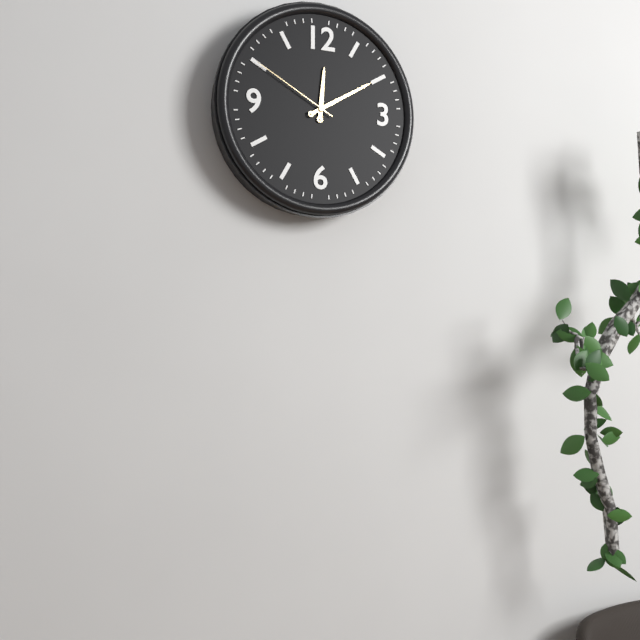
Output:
**12:10:50**
